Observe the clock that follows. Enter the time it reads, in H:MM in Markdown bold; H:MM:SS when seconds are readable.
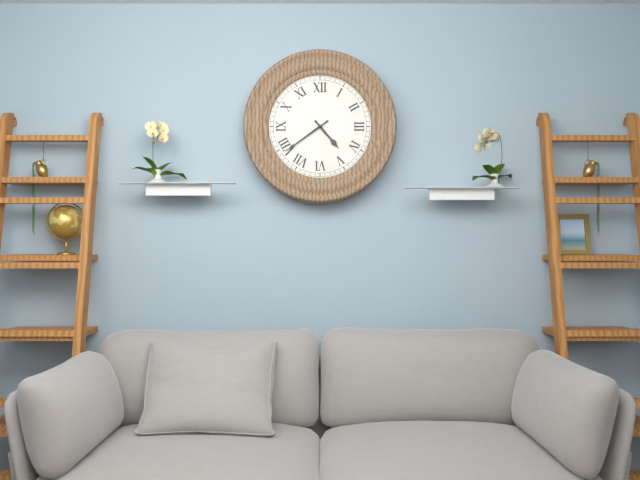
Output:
**4:39**
